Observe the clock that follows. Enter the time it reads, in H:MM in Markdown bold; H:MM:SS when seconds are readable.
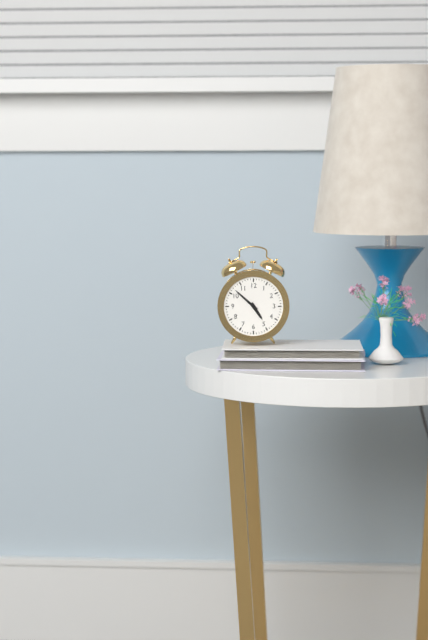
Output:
**4:52**
